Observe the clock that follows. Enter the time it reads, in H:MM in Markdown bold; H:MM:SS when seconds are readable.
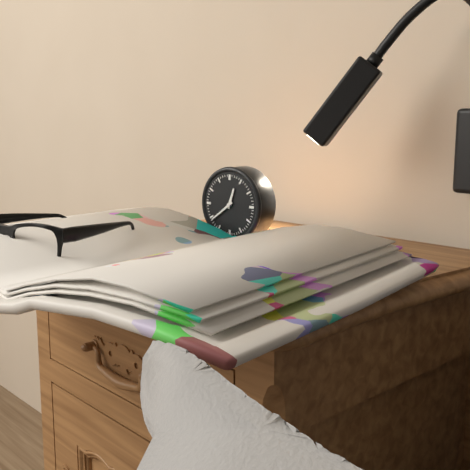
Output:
**12:39**
